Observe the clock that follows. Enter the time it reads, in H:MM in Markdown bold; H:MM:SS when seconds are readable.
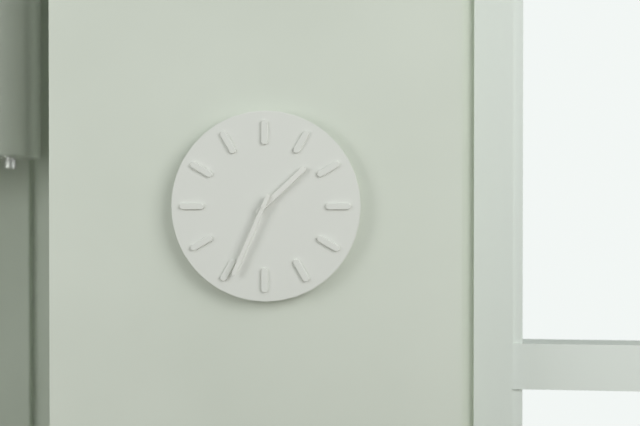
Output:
**1:34**
